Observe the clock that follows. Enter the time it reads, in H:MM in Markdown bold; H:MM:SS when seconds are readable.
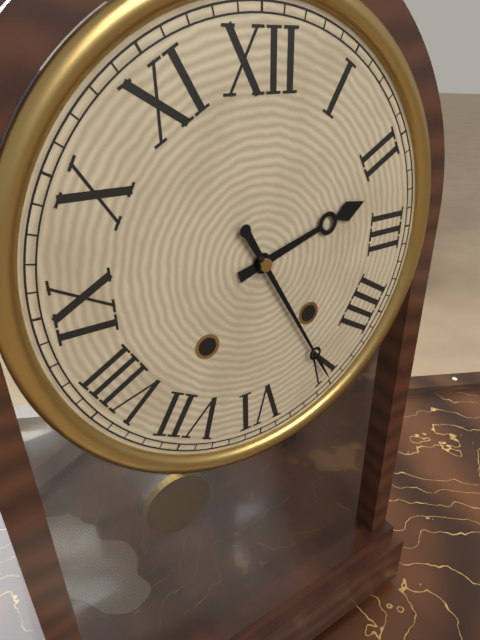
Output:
**2:25**
